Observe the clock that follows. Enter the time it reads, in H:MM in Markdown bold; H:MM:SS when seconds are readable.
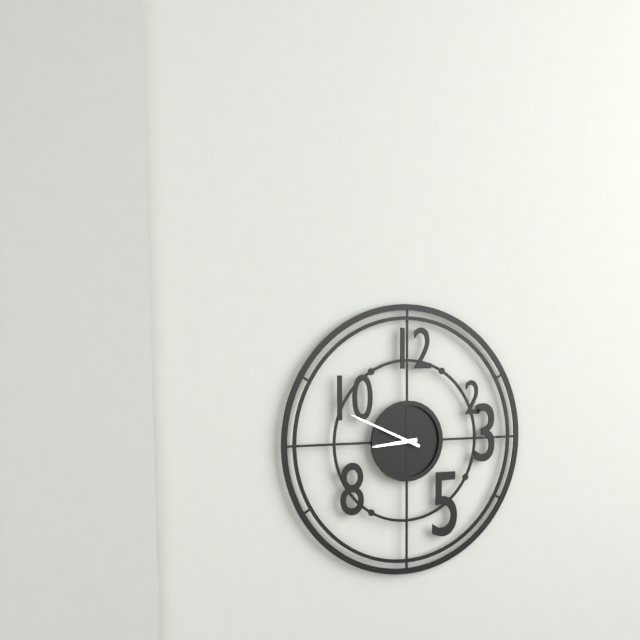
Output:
**8:49**
